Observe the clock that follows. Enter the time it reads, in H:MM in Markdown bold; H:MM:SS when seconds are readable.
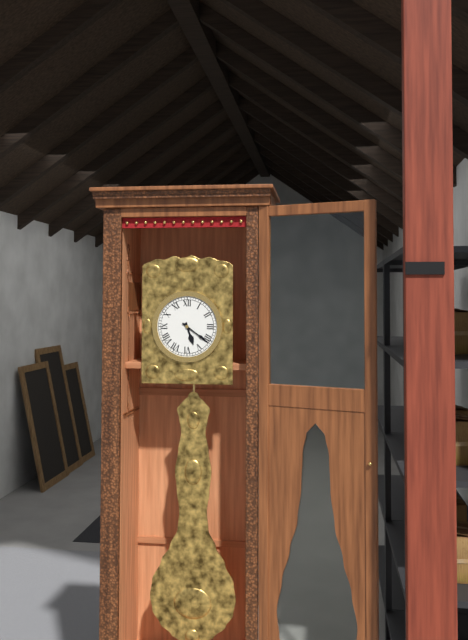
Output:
**5:21**
